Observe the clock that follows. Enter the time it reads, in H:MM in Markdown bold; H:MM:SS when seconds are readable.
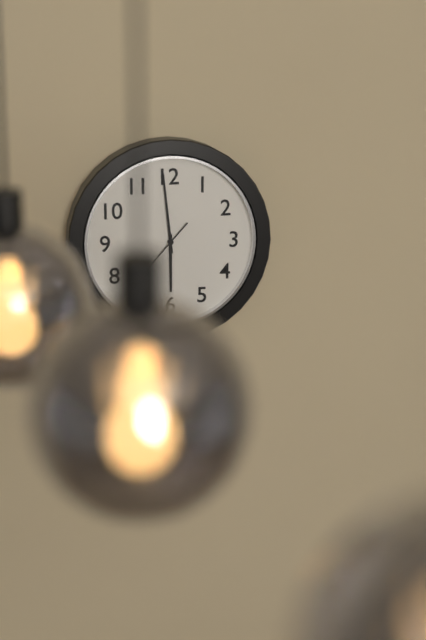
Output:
**5:59**
